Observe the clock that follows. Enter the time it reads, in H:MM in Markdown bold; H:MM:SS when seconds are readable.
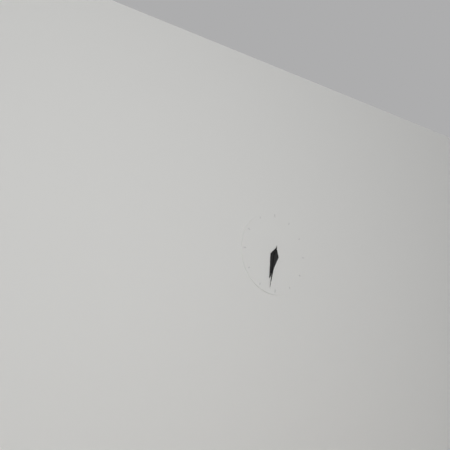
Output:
**6:32**
